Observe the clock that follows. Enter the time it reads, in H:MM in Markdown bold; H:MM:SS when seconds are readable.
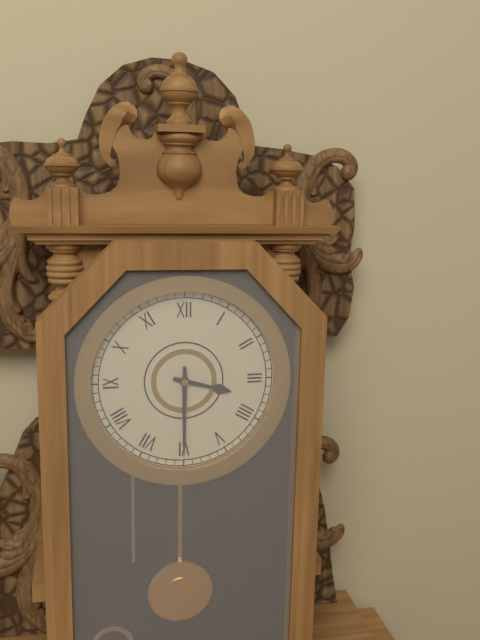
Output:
**3:30**
